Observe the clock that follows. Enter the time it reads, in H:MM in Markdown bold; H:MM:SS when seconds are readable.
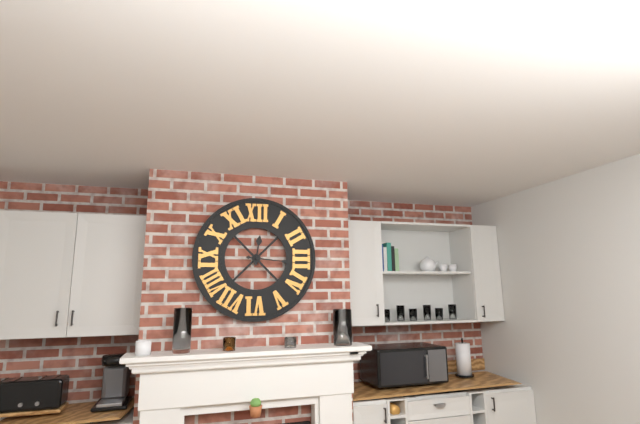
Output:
**12:16**
